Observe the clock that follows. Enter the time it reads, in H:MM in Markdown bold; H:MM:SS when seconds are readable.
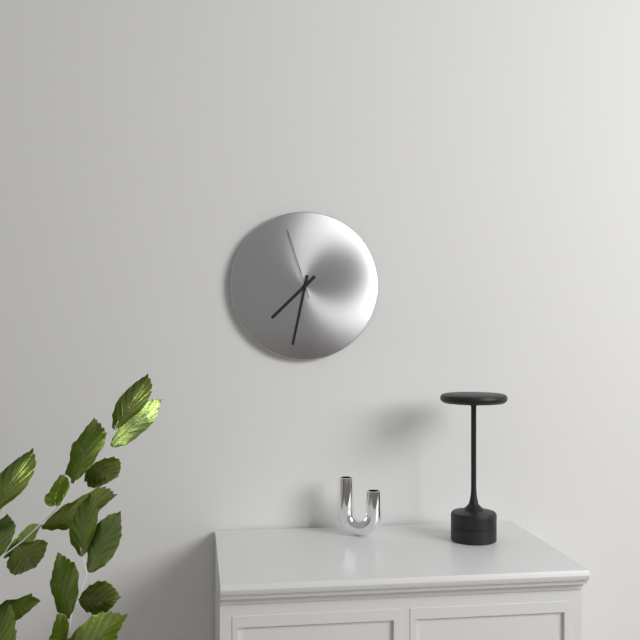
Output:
**7:32:57**
